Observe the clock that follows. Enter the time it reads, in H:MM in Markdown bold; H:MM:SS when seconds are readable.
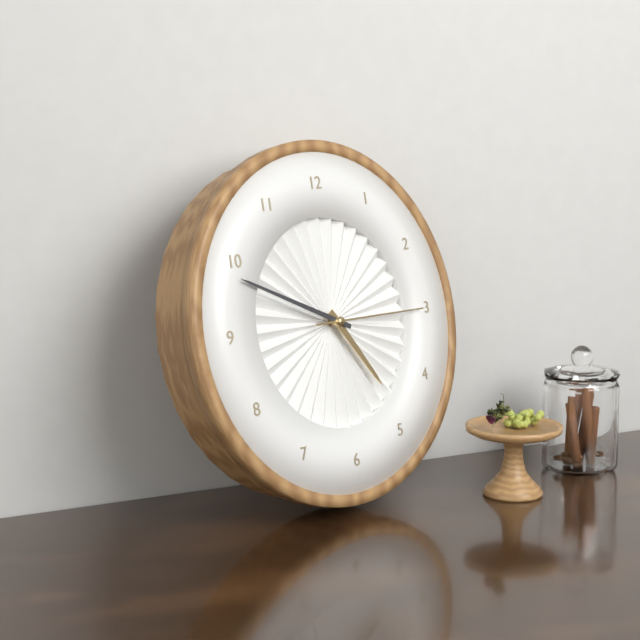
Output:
**4:49:15**
